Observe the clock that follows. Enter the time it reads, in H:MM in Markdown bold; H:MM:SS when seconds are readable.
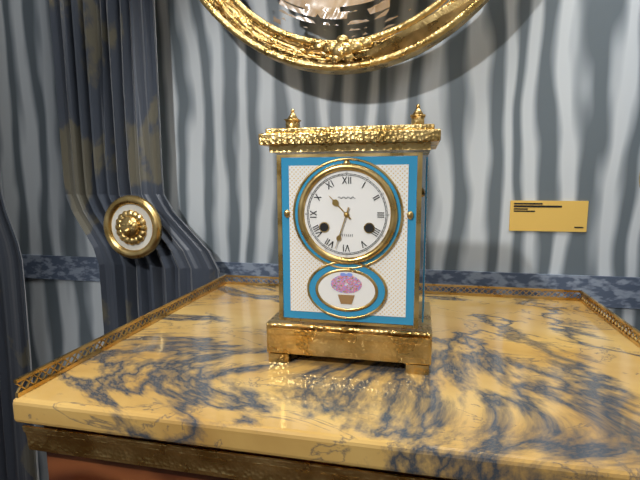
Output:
**10:33**
